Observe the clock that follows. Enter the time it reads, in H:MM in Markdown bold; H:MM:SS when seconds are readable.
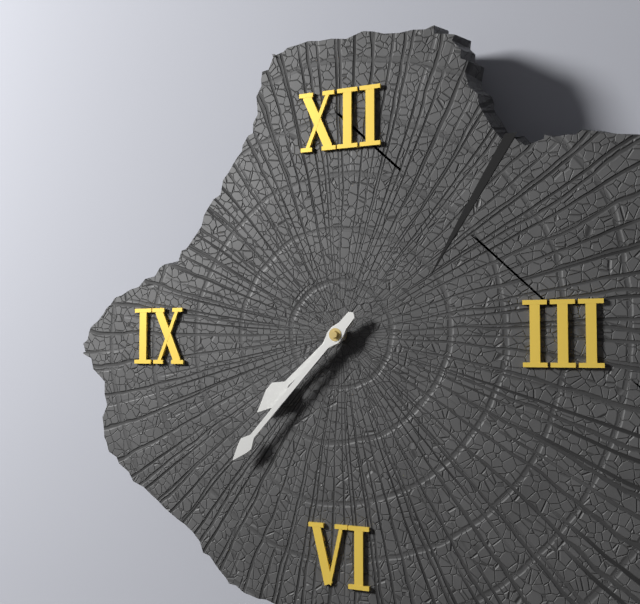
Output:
**7:37**
